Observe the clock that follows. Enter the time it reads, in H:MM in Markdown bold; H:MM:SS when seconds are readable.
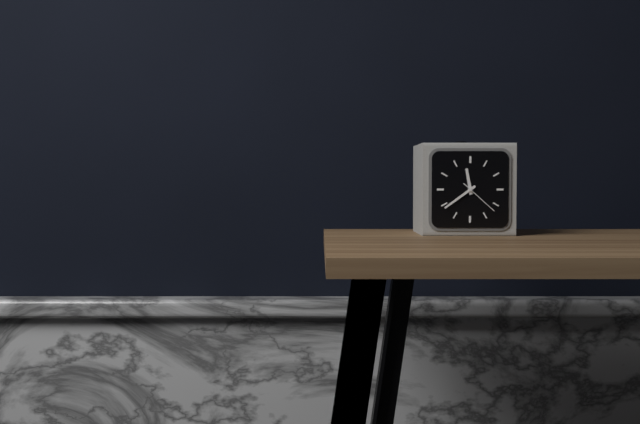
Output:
**11:39**
